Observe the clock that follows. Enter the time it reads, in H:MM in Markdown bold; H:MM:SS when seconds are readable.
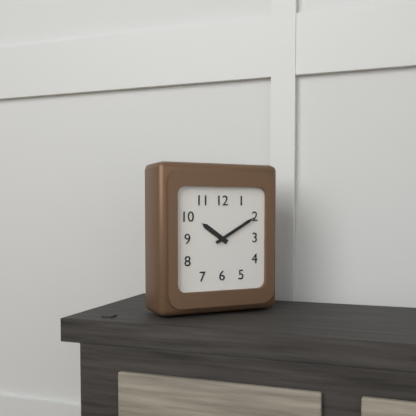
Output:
**10:10**
